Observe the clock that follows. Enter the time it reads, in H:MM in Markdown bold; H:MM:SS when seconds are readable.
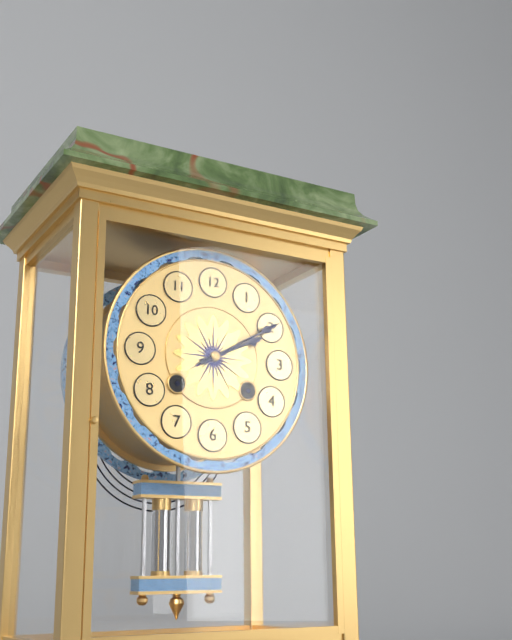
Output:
**2:10**
